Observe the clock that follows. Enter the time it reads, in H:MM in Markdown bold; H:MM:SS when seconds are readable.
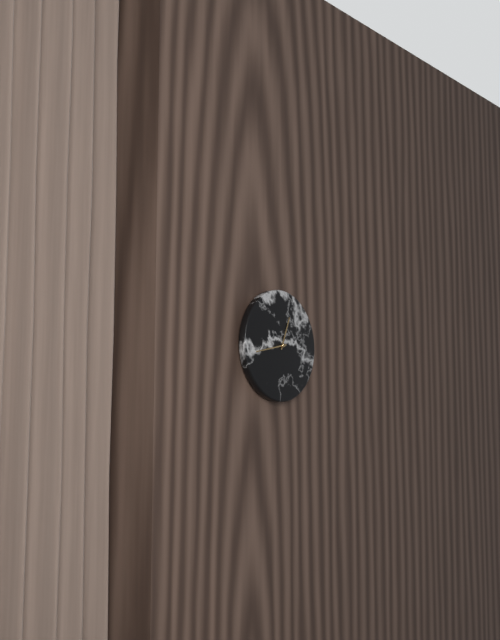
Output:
**12:43**
